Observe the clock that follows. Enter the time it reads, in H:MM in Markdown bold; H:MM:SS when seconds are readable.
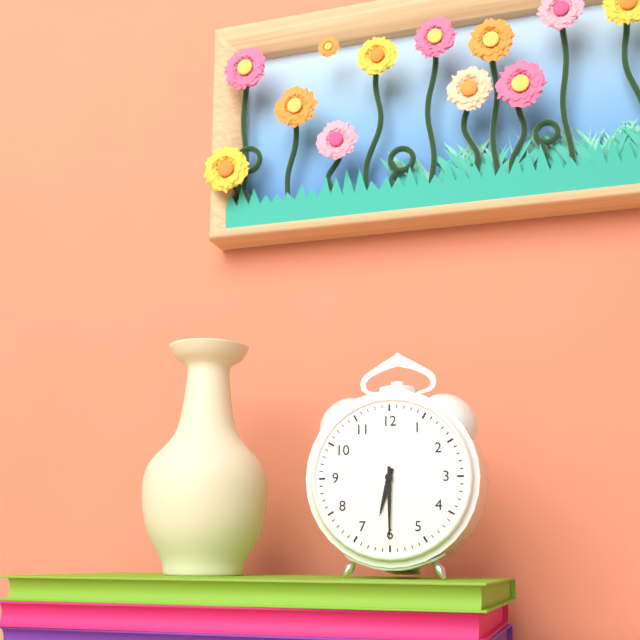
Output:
**6:30**
